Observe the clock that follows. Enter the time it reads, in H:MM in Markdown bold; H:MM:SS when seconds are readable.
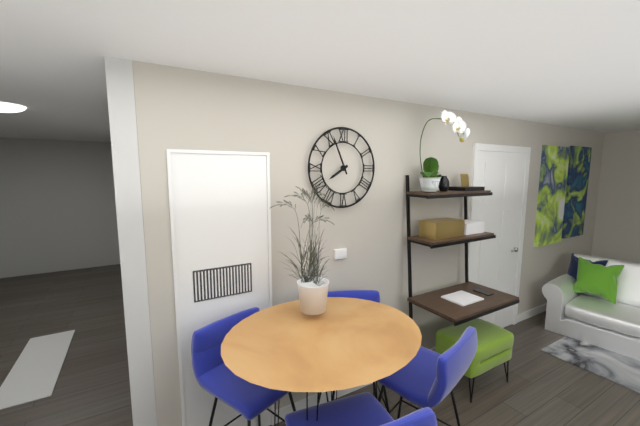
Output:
**7:56**
